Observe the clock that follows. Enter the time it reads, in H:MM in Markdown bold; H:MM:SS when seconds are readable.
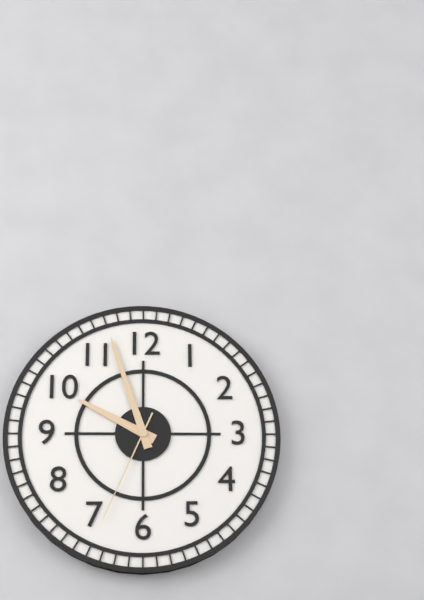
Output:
**9:57:34**
